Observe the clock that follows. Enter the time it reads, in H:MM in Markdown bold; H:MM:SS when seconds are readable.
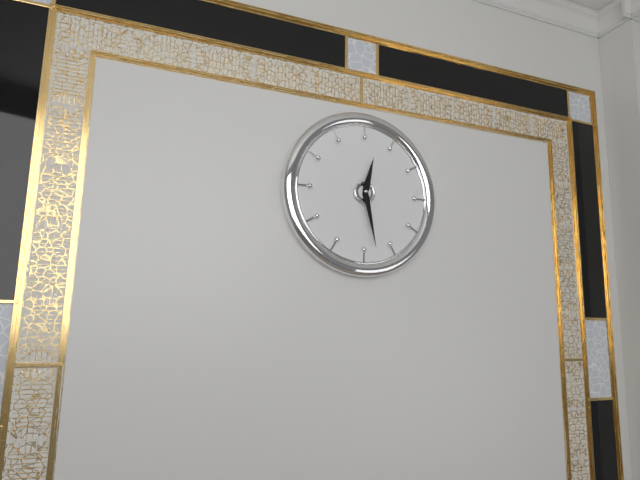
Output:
**12:28**
